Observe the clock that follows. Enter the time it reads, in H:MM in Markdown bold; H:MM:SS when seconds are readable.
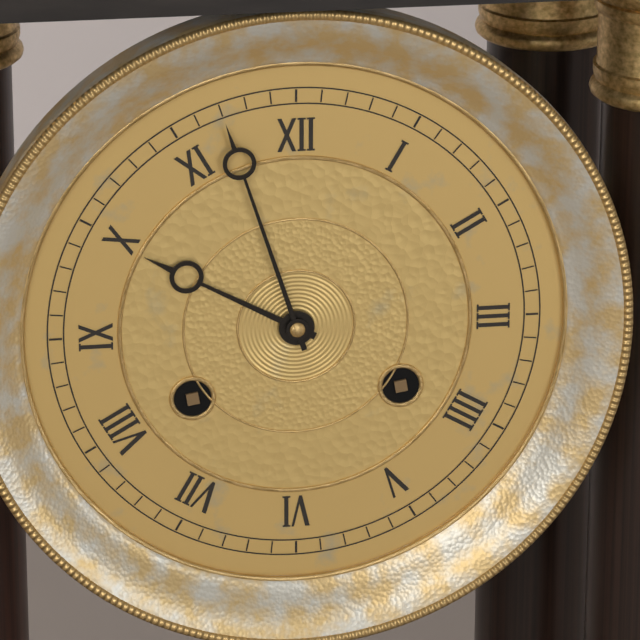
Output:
**9:57**
